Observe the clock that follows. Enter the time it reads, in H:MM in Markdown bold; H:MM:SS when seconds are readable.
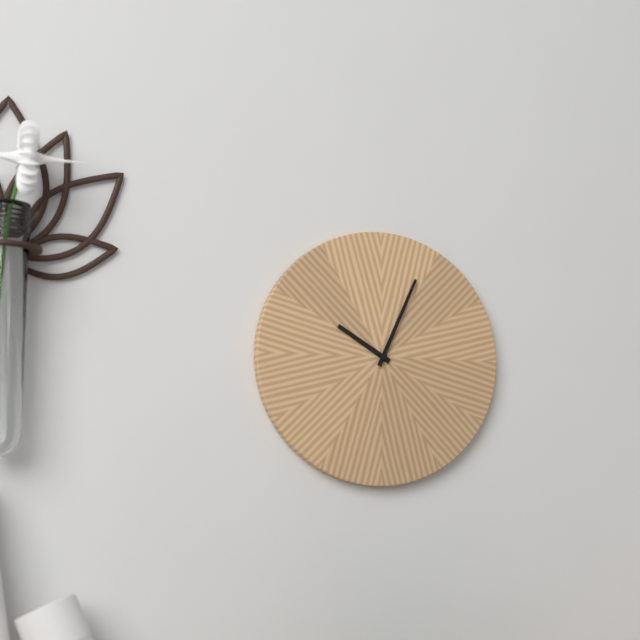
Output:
**10:04**
